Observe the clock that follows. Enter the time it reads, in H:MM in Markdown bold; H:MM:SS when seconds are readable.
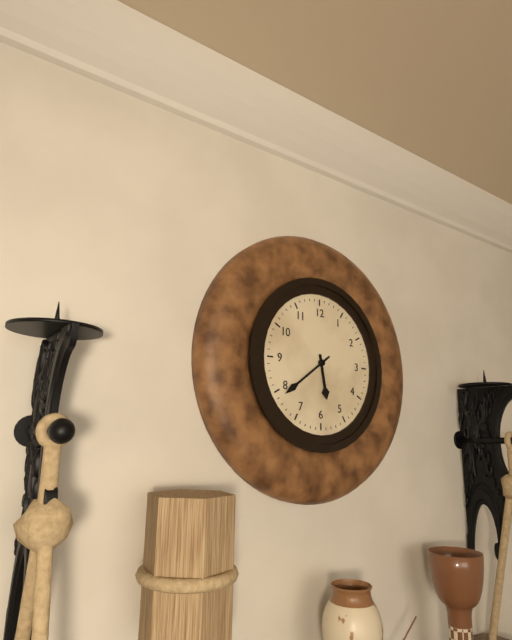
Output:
**5:39**
